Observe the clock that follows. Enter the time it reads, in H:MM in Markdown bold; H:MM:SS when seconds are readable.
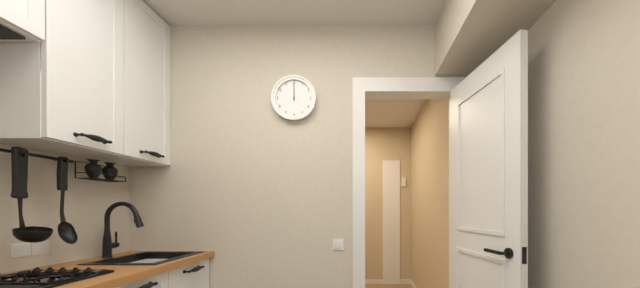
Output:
**12:00**
